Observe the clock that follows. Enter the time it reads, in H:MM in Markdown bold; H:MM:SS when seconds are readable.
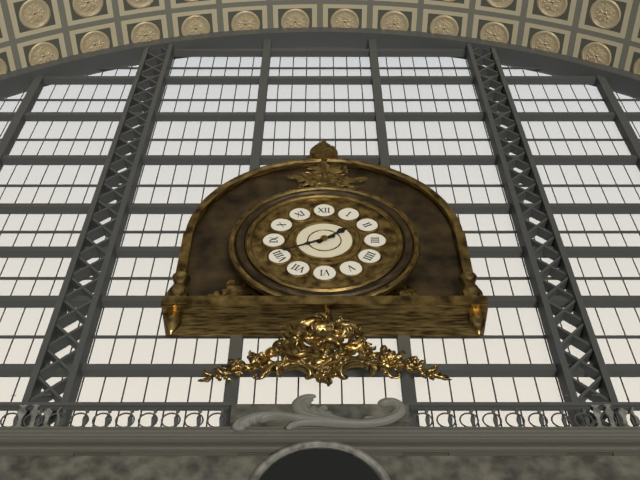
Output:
**1:41**
